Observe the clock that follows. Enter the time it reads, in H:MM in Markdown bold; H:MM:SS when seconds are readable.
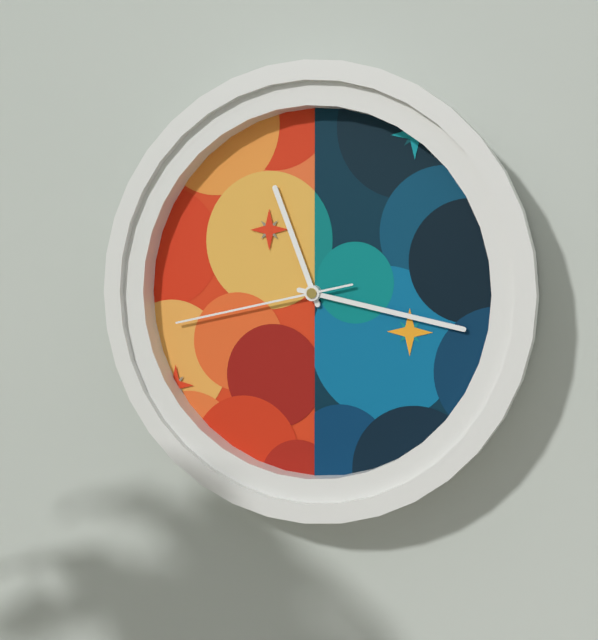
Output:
**11:17:43**
